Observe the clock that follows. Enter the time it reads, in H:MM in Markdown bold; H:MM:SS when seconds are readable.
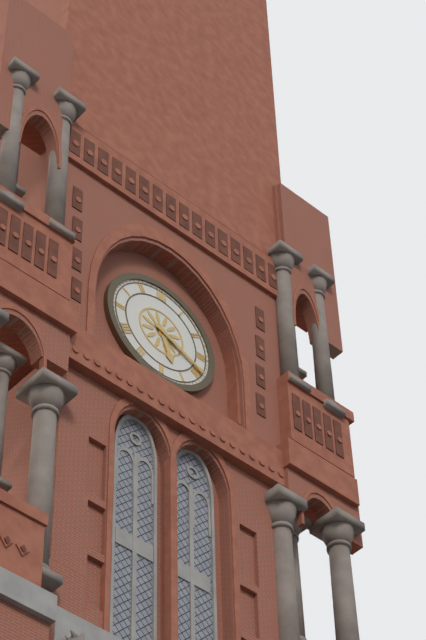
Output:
**5:19**
